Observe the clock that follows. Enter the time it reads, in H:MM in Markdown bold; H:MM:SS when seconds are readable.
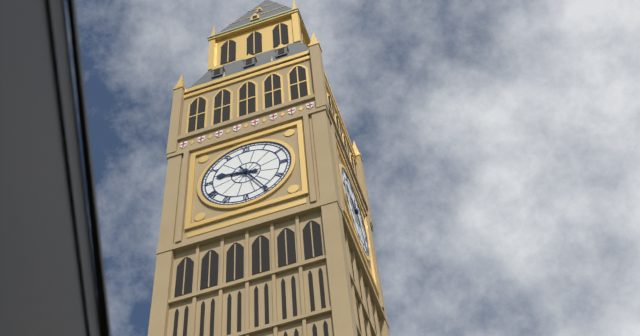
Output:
**9:25**
